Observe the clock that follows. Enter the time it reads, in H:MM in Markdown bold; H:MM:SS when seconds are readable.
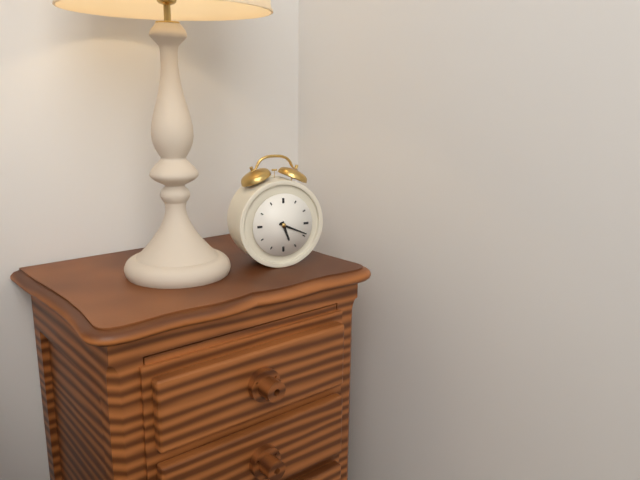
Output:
**5:19**
